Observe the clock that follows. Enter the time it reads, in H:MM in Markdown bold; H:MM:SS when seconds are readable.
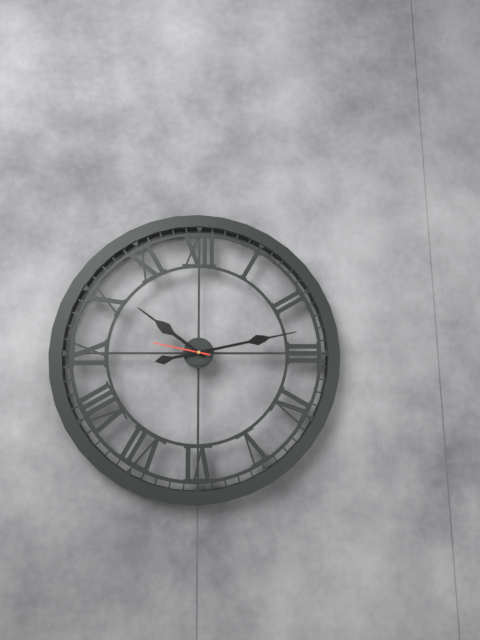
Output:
**10:13:47**
